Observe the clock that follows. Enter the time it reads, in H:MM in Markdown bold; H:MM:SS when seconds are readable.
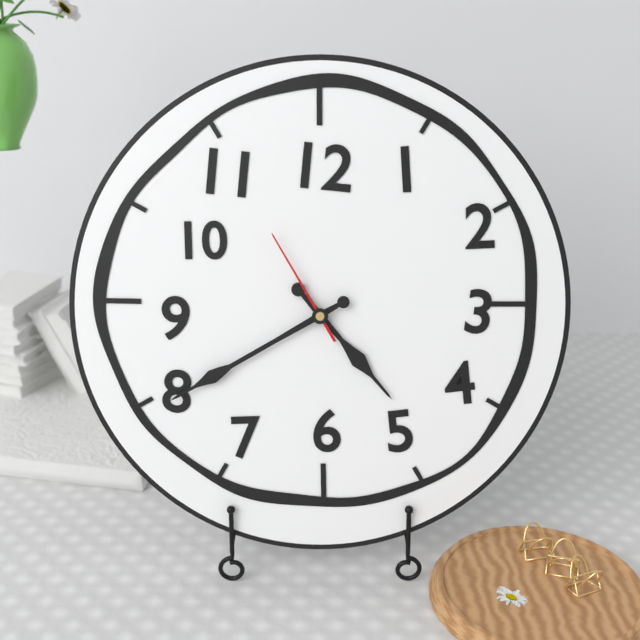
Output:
**4:40:55**
